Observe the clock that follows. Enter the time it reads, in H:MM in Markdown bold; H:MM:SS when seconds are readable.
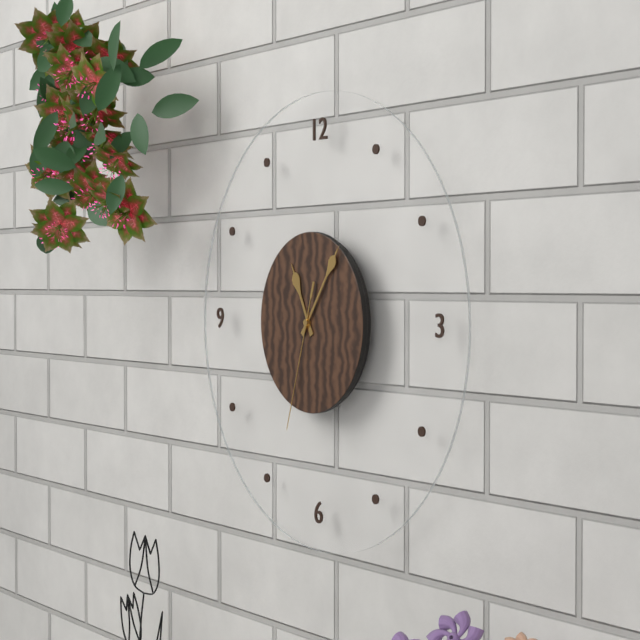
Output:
**11:06:33**
